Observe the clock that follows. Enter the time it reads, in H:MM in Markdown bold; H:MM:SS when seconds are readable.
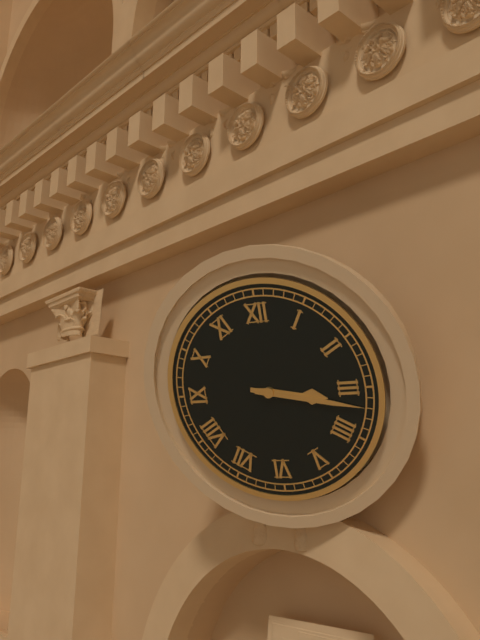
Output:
**3:17**
